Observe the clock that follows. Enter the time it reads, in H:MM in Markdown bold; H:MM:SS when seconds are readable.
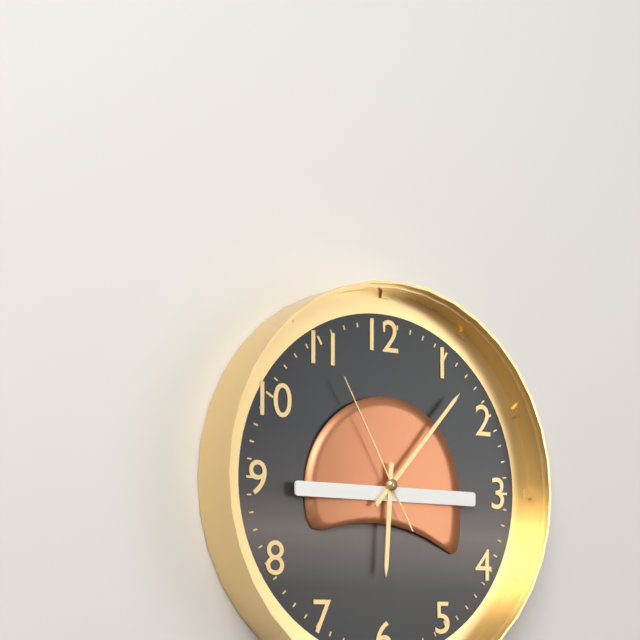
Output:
**6:07:55**
